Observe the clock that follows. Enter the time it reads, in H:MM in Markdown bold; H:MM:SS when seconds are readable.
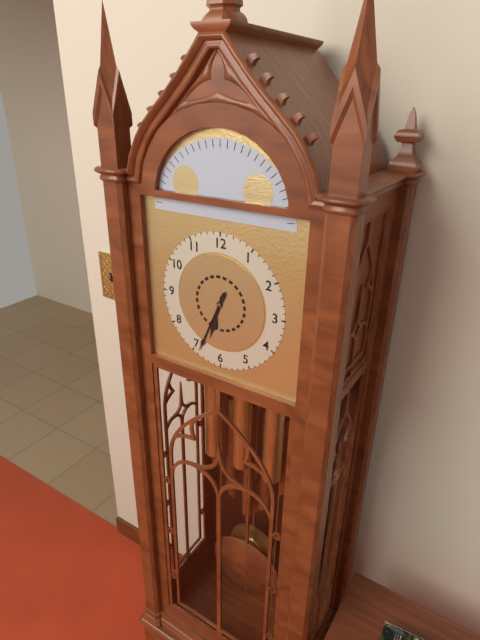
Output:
**6:34**
